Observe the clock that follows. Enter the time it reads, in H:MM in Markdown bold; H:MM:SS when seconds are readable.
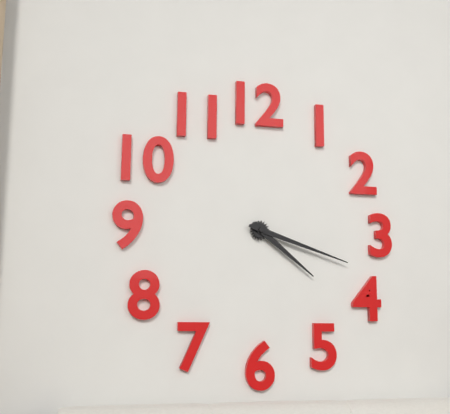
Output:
**4:18**
